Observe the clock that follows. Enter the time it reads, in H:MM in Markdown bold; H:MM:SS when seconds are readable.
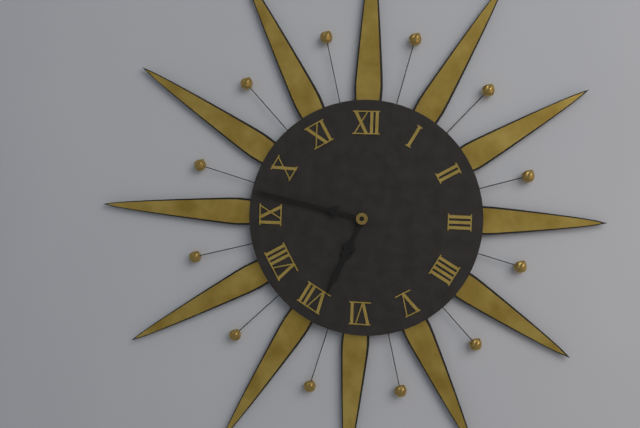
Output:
**6:47**
